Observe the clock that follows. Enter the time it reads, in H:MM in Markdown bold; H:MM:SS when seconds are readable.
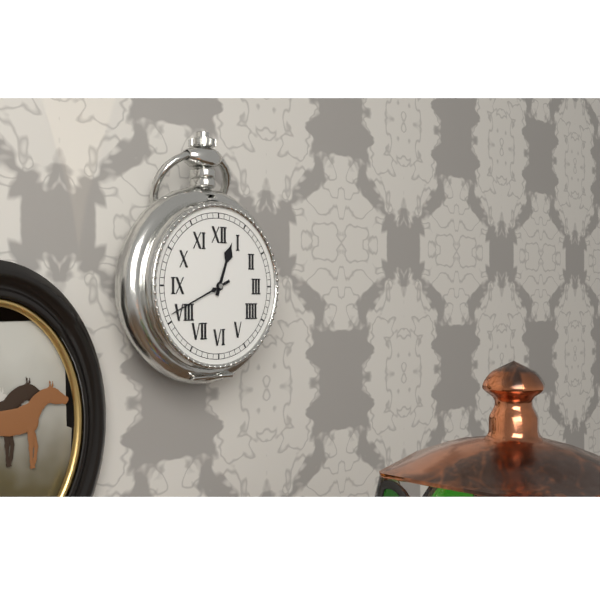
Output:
**12:41**
